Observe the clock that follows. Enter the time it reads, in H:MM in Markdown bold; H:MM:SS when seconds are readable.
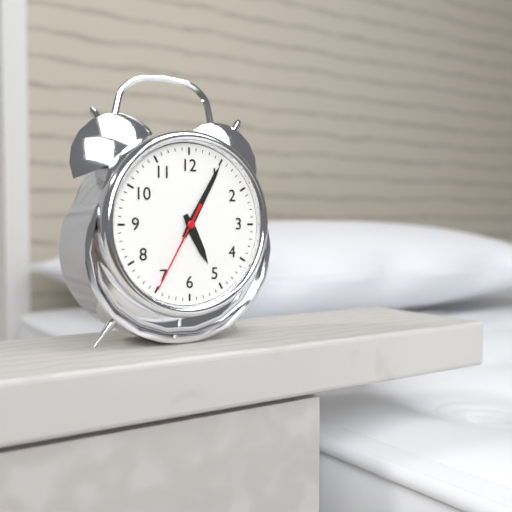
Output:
**5:05:35**
